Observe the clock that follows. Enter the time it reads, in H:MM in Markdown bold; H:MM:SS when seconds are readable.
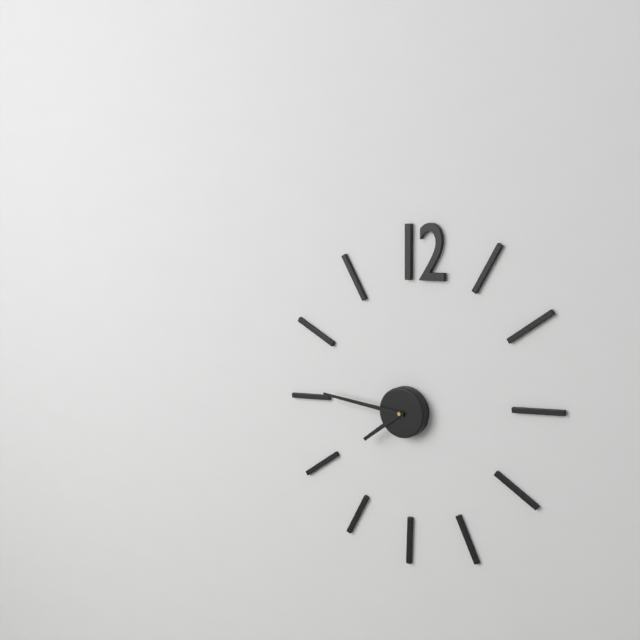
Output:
**7:46**
